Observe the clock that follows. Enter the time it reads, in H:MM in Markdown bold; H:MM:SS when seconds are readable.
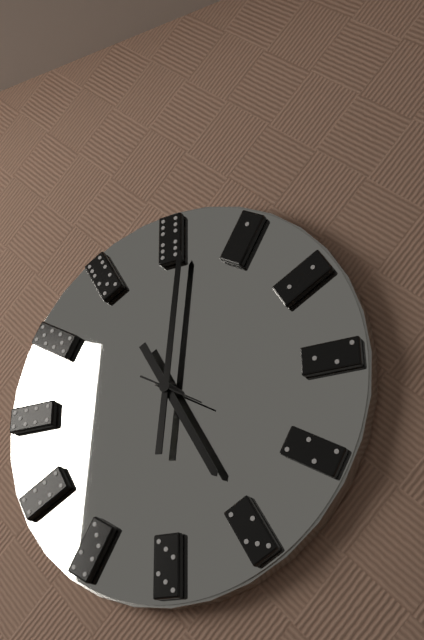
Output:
**5:01**
